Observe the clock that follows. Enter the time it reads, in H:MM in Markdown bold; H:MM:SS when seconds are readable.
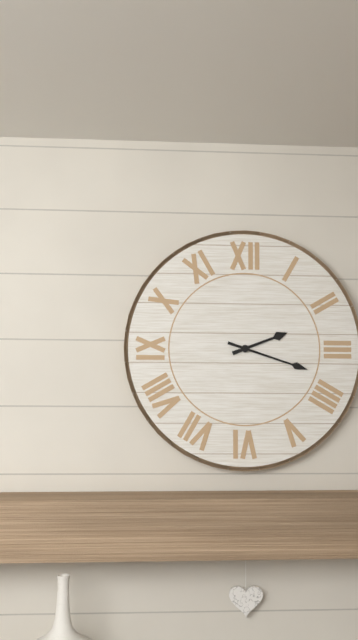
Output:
**2:18**
